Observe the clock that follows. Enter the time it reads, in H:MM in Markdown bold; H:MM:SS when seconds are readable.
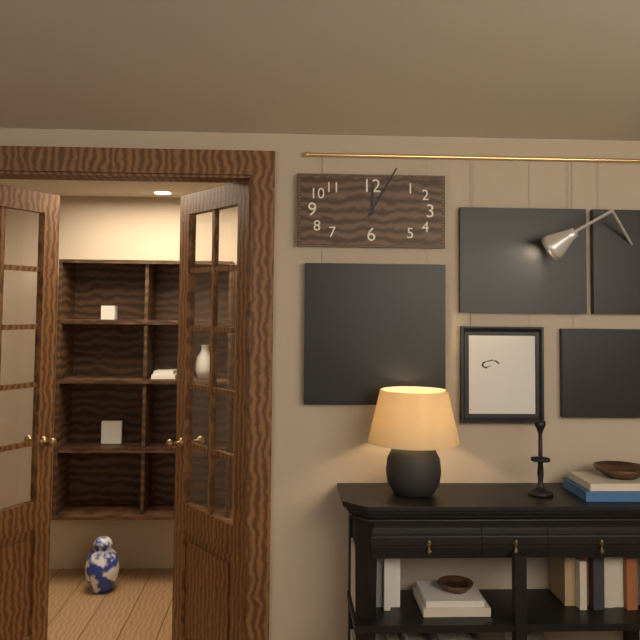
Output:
**12:05**
